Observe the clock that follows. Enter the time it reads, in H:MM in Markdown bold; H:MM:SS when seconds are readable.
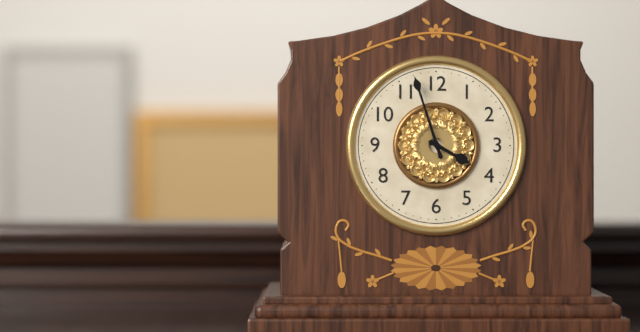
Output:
**3:57**
